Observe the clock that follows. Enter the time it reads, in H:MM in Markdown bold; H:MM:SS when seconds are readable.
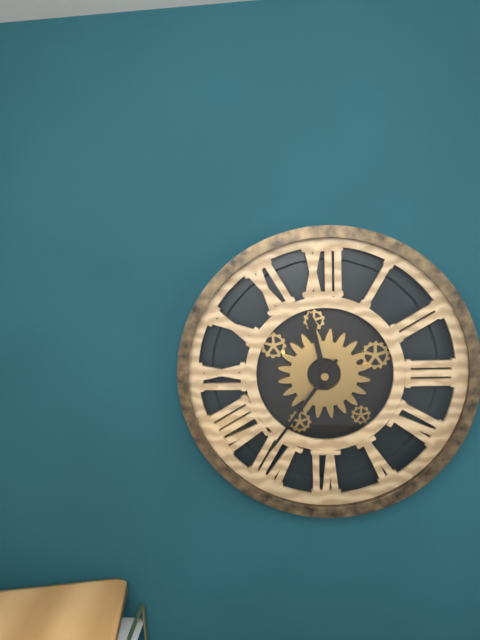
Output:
**11:36**
